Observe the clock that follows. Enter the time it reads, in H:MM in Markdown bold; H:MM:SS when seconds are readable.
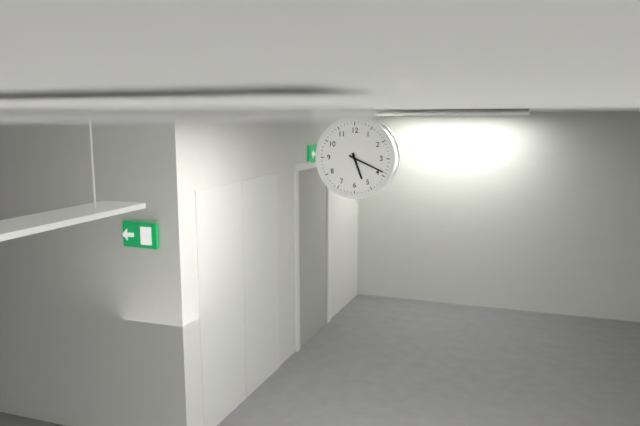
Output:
**5:19**
